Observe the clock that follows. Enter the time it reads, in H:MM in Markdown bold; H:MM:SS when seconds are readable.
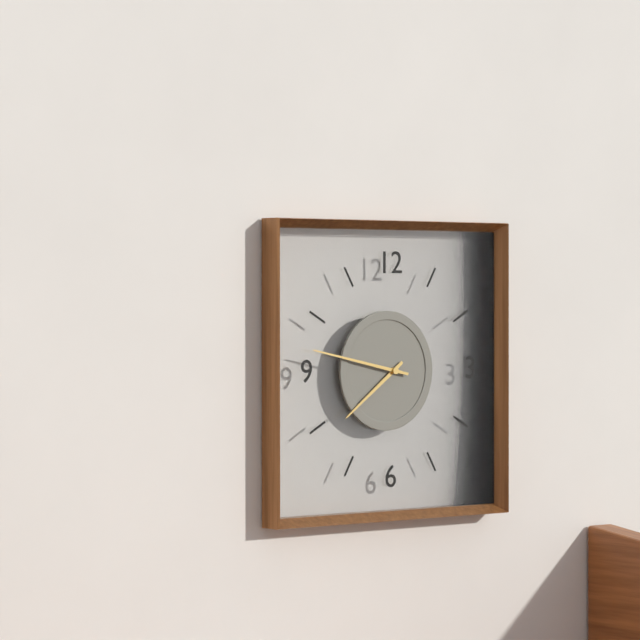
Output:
**7:47**
